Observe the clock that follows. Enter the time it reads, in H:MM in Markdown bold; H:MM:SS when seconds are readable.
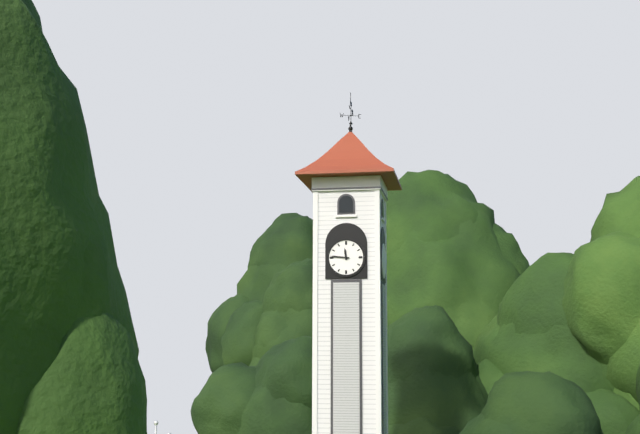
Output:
**11:46**
